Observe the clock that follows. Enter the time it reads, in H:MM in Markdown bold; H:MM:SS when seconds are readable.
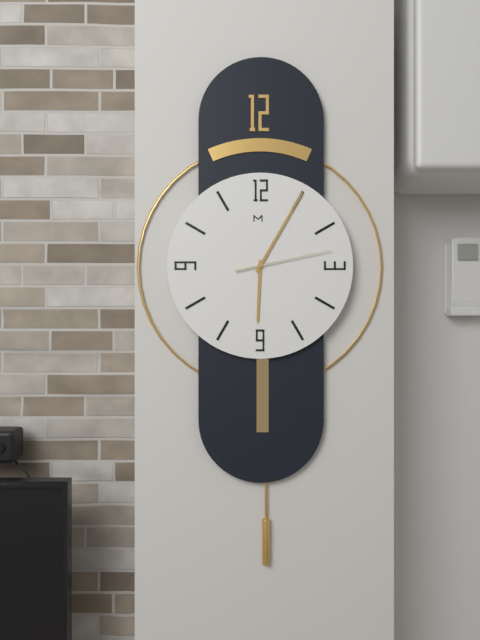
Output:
**6:05:13**
